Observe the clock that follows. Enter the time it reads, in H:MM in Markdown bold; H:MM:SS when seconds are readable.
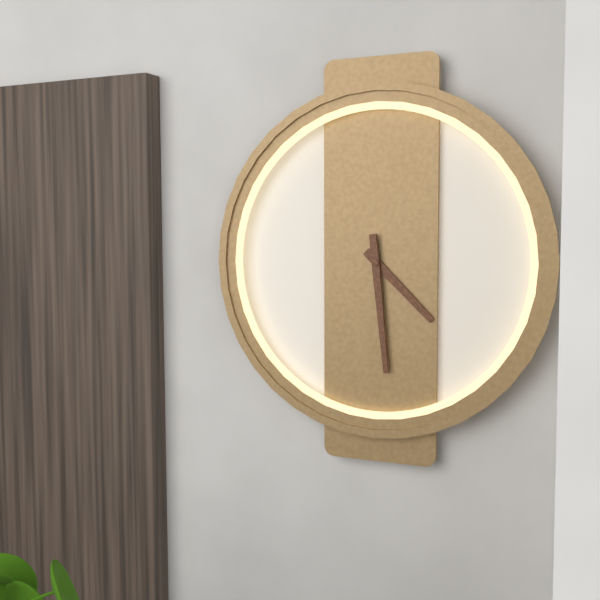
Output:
**4:29**
